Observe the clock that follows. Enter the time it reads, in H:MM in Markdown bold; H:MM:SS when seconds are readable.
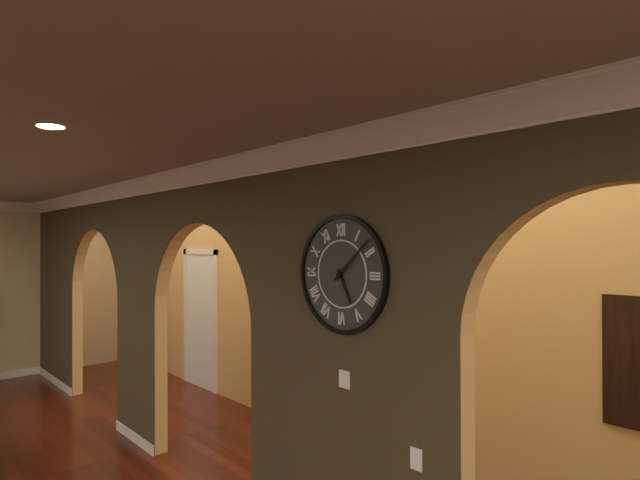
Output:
**5:08**
